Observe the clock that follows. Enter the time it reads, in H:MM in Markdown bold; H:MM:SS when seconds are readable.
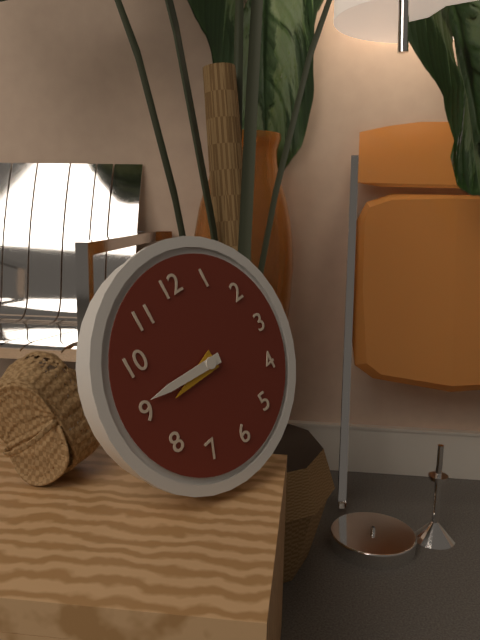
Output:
**8:46**
